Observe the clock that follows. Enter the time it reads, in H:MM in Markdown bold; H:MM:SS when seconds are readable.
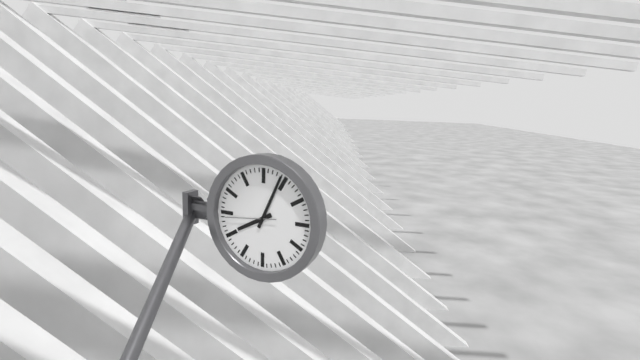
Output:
**8:04**
